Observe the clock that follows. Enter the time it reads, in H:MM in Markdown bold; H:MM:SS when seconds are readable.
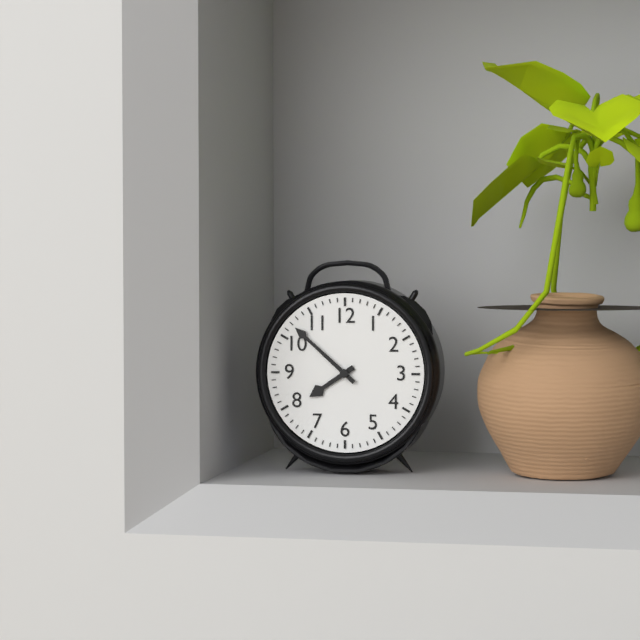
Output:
**7:52**
